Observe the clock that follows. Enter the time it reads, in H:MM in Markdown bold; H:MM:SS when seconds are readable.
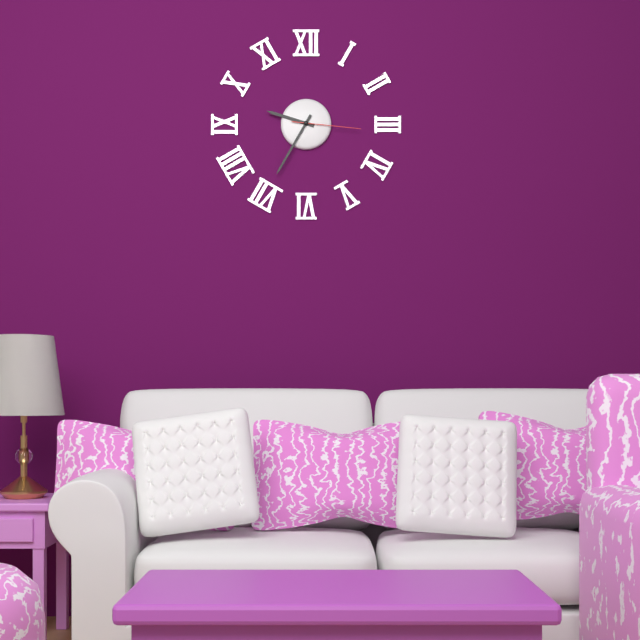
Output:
**9:35:16**
